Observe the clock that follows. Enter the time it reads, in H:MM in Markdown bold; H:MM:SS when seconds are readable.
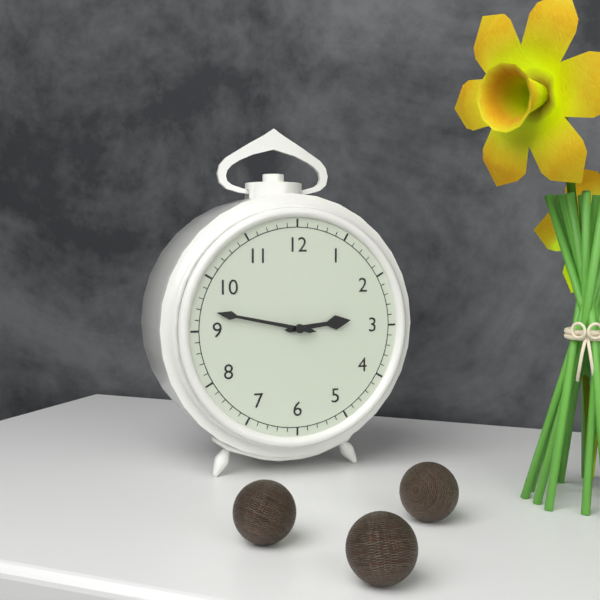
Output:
**2:47**
